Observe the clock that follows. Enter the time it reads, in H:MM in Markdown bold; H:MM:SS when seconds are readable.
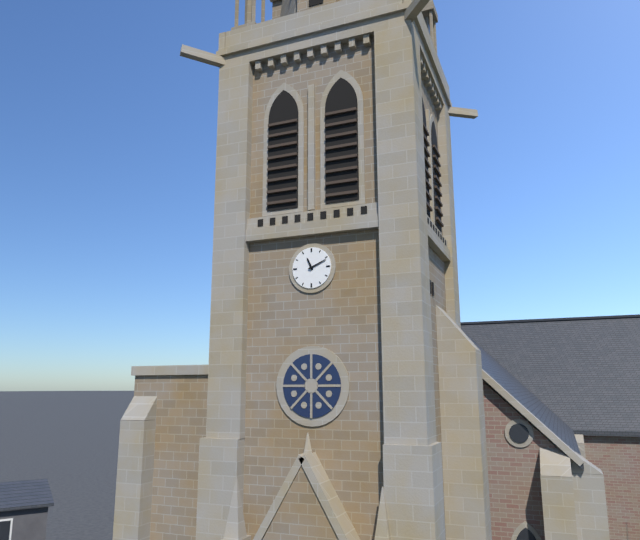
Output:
**11:11**
